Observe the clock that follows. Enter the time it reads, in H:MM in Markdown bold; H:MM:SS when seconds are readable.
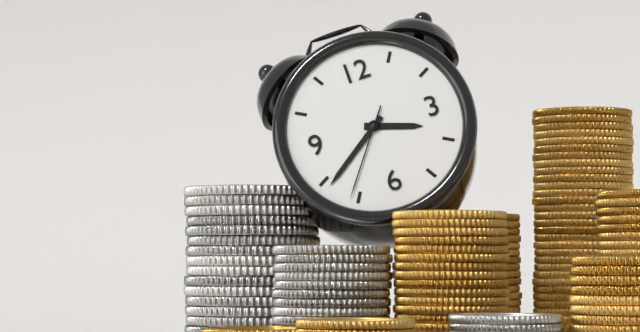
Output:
**3:39:36**
